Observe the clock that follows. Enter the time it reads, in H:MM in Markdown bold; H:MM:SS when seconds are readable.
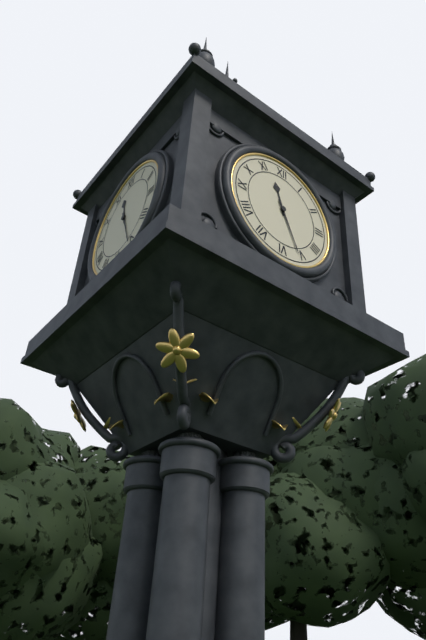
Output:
**11:26**
